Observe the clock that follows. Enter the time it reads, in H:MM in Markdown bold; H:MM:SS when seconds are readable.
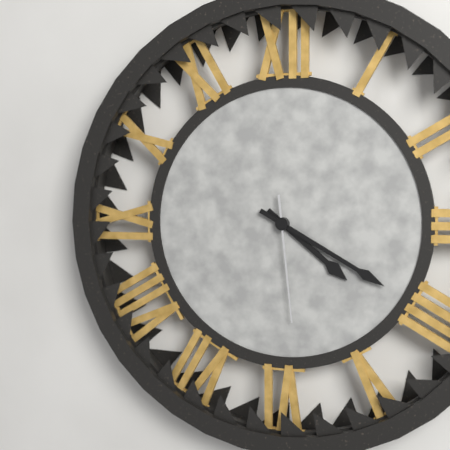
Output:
**4:20:29**
